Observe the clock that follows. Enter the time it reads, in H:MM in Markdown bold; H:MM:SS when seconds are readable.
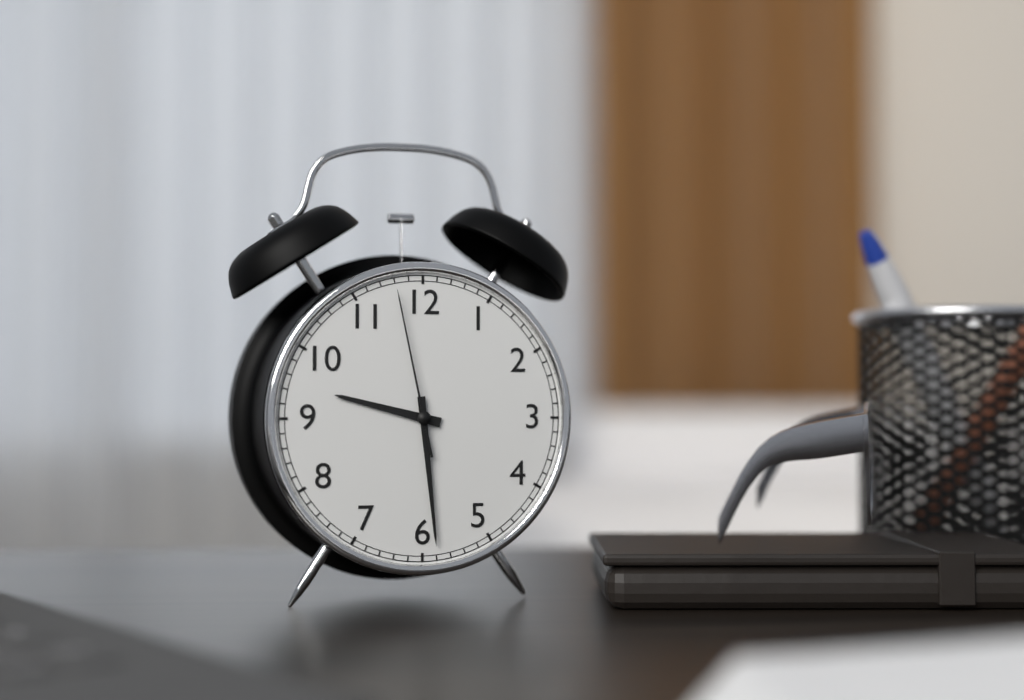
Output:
**9:29:58**
